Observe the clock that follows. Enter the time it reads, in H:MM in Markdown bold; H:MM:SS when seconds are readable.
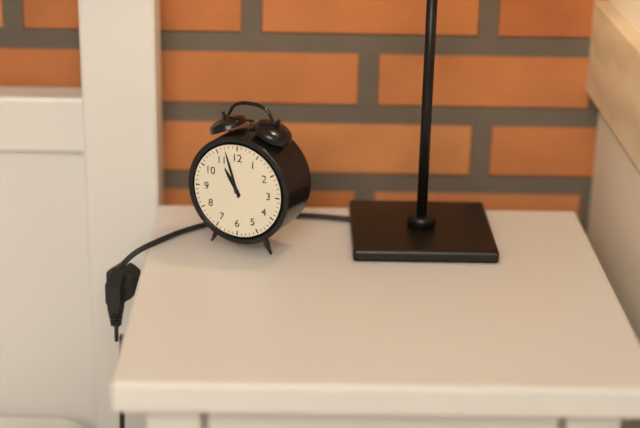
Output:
**10:57**
